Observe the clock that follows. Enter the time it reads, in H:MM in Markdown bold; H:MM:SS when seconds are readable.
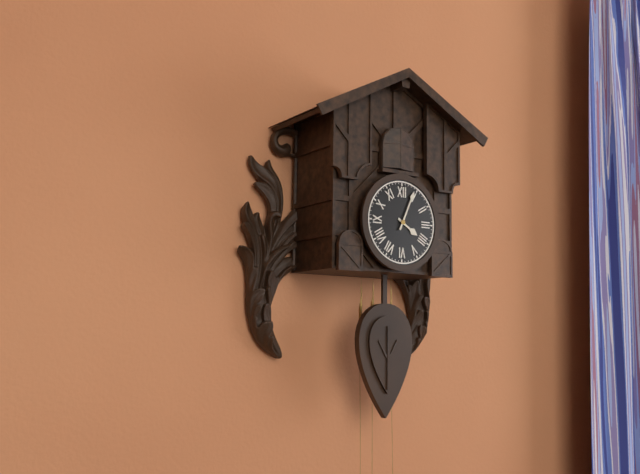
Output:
**4:04**
